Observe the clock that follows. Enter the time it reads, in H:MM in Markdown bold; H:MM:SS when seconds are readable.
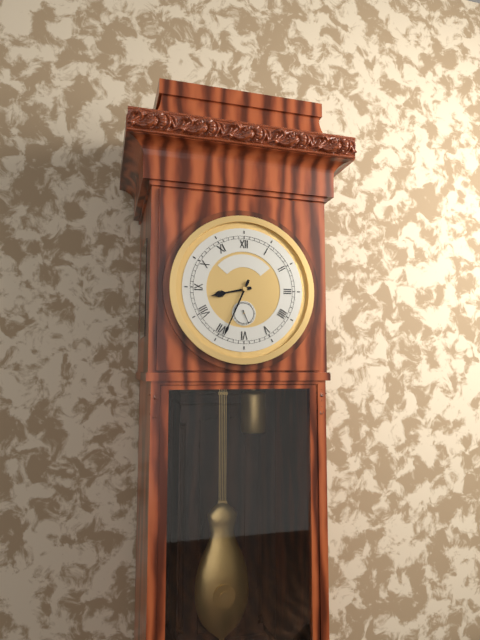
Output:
**8:34**
